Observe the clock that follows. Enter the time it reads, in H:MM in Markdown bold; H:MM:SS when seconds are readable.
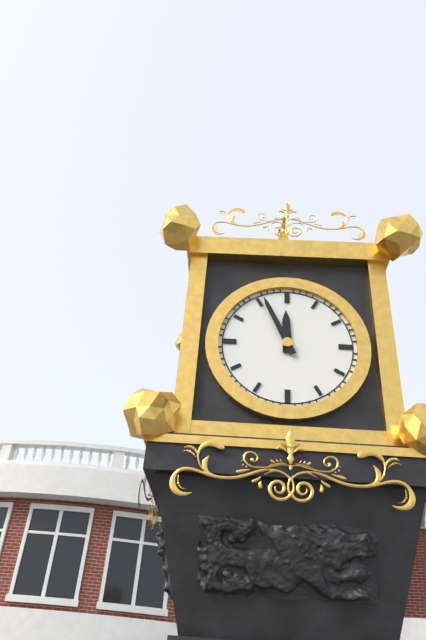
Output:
**11:56**
